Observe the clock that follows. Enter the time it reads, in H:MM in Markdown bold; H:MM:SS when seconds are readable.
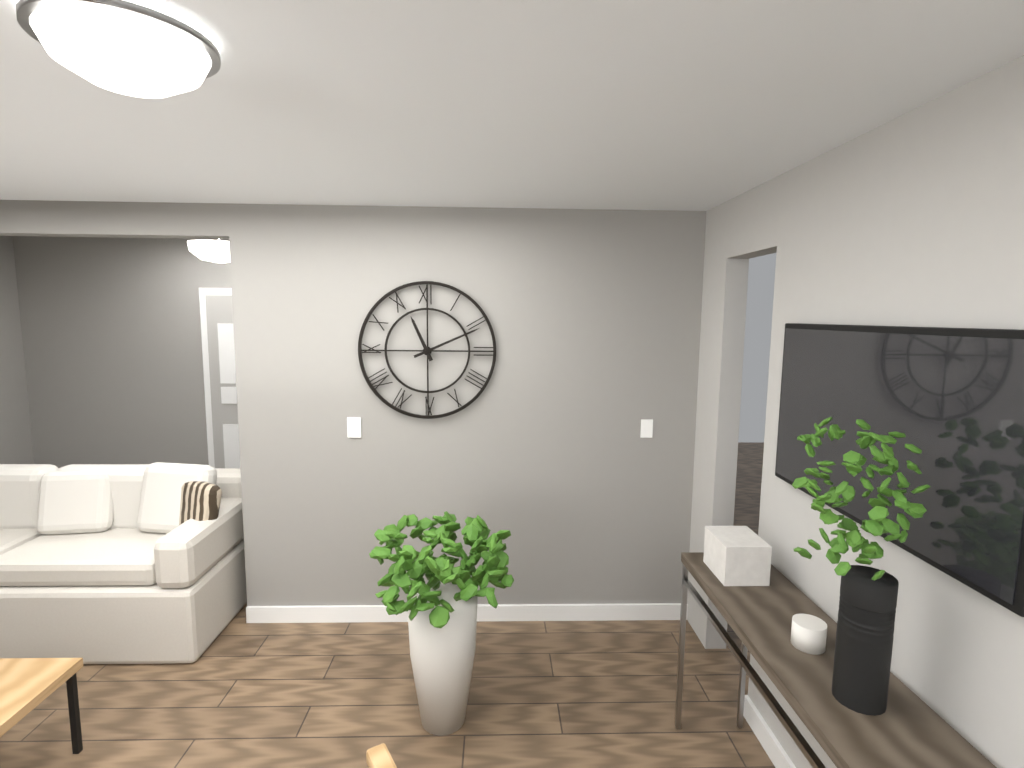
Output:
**11:11**
